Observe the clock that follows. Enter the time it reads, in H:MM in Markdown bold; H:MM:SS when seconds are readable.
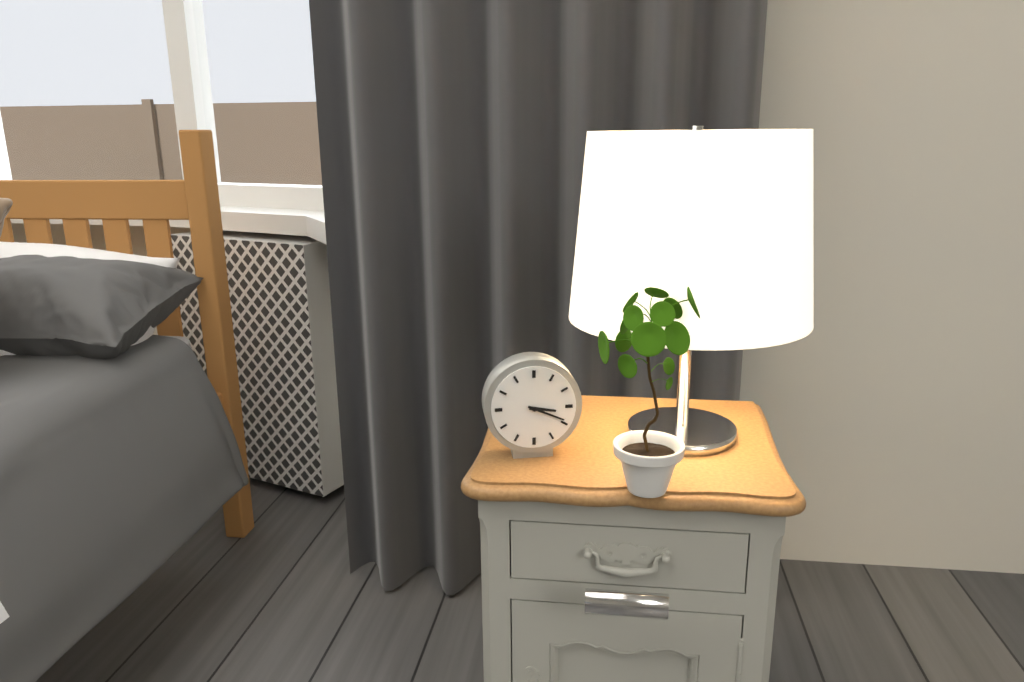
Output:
**3:19**
